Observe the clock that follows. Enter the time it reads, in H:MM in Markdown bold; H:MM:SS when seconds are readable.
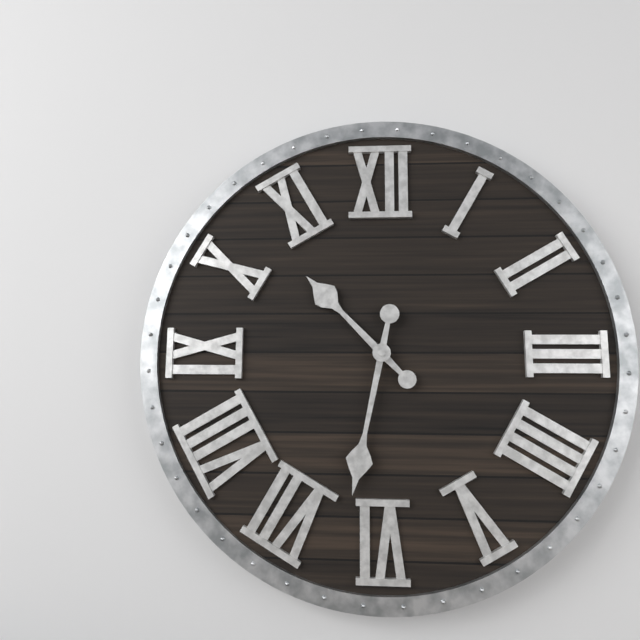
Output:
**10:32**
